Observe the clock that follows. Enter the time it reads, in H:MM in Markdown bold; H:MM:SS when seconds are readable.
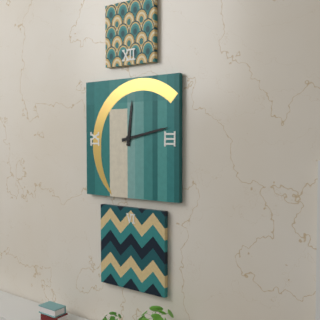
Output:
**12:13**
